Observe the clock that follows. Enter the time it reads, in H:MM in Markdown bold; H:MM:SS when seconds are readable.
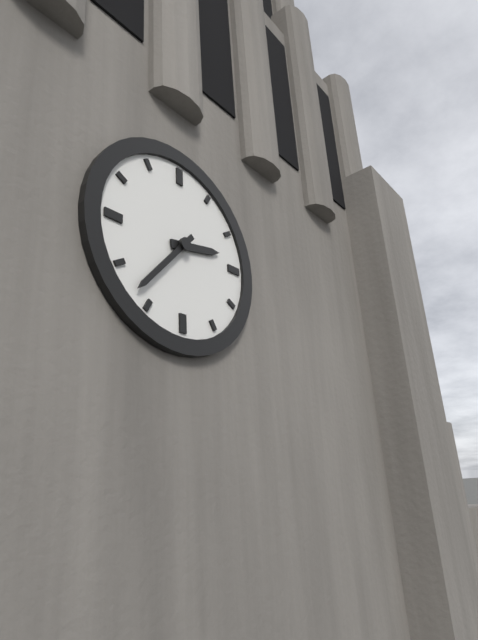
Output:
**2:37**
